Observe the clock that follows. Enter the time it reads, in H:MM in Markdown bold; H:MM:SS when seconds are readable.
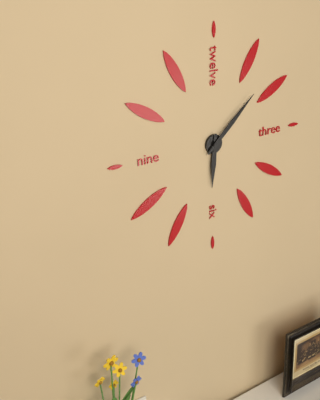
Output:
**6:08**
